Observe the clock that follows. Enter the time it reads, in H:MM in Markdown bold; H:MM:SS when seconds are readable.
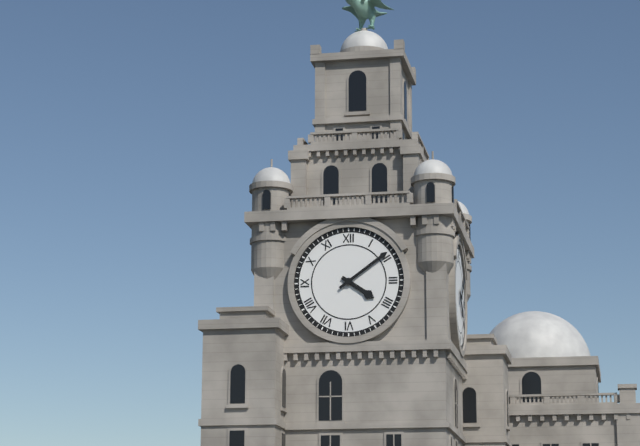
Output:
**4:09**
